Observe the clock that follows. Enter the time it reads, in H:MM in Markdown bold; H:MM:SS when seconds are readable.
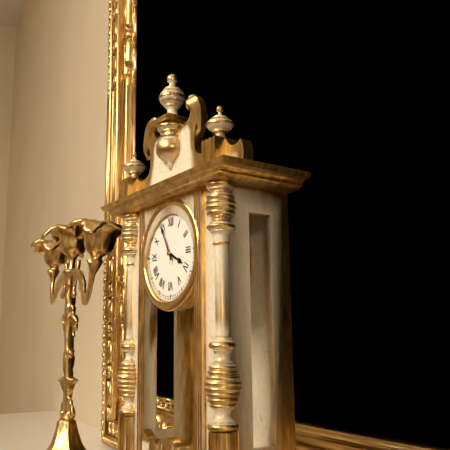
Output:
**3:55**
